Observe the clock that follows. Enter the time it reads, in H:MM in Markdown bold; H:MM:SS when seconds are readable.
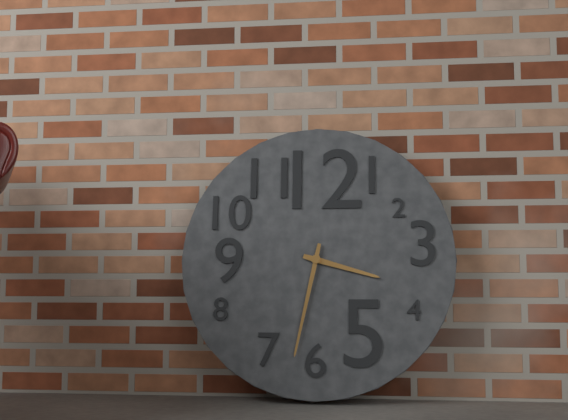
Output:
**3:32**
